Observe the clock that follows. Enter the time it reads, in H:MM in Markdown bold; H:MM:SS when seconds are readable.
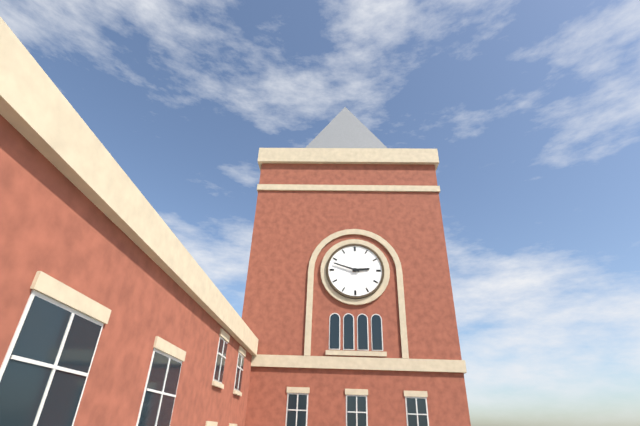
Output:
**2:48**
